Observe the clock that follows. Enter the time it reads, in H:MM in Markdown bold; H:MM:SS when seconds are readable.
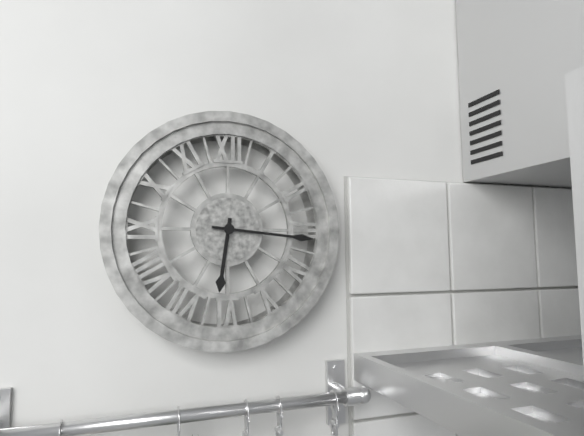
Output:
**6:16**
